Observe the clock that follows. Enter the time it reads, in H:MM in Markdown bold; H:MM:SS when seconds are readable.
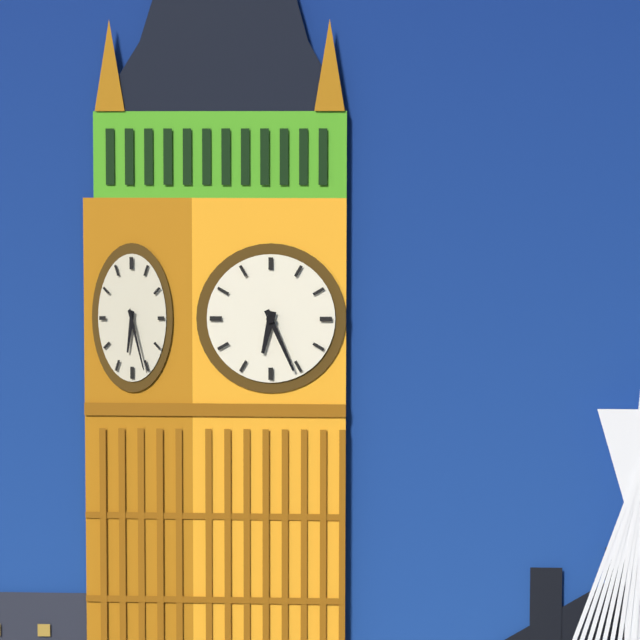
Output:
**6:26**
